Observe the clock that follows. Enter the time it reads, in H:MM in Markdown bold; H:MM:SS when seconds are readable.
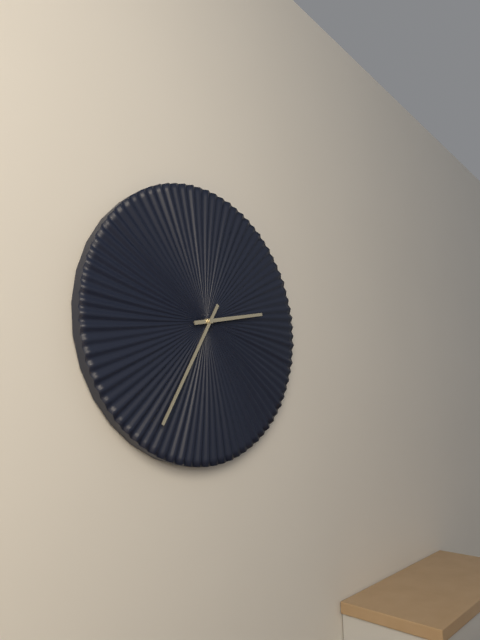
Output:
**2:35**
